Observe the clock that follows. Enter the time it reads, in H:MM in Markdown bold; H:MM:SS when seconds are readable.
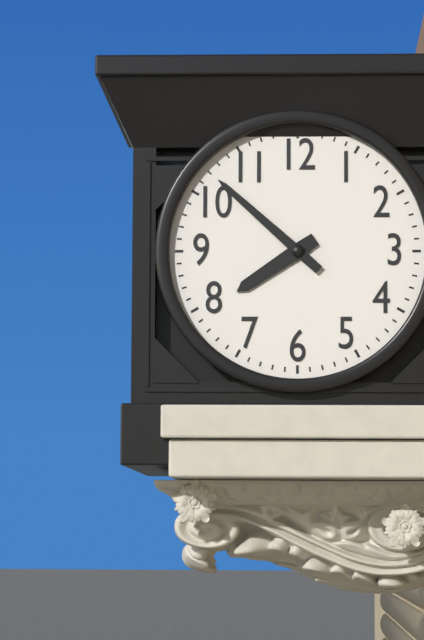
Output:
**7:52**
